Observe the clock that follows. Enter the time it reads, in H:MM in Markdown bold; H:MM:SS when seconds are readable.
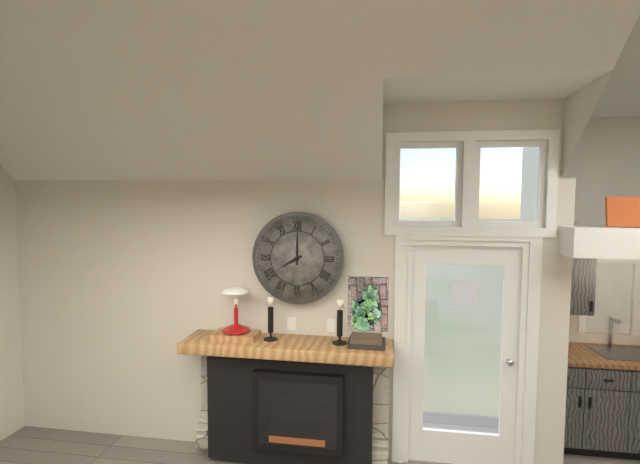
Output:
**8:00**
